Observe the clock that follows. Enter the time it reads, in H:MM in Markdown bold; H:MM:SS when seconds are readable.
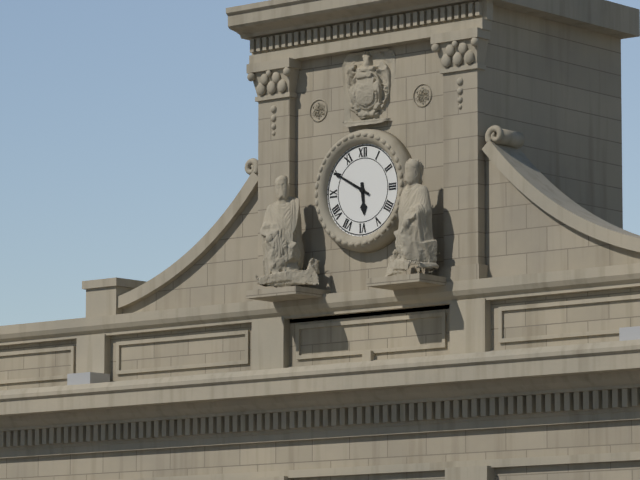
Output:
**5:50**
